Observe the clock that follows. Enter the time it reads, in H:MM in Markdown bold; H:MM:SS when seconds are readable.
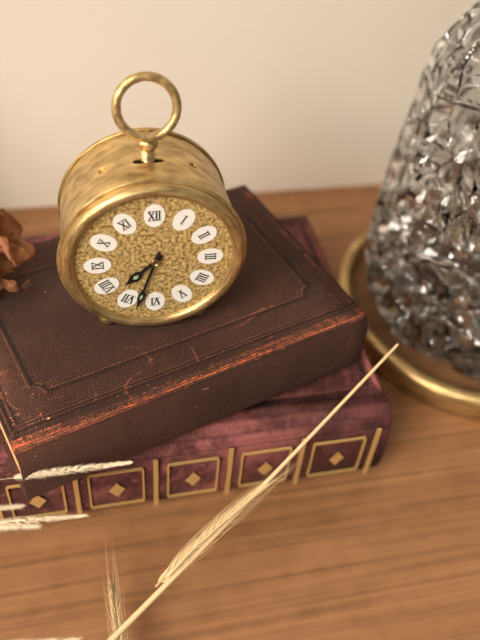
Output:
**7:33**
